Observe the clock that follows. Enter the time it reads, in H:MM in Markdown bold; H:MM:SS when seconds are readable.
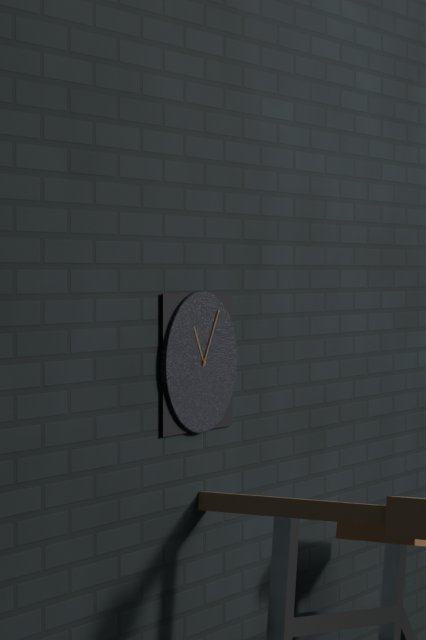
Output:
**11:05**
